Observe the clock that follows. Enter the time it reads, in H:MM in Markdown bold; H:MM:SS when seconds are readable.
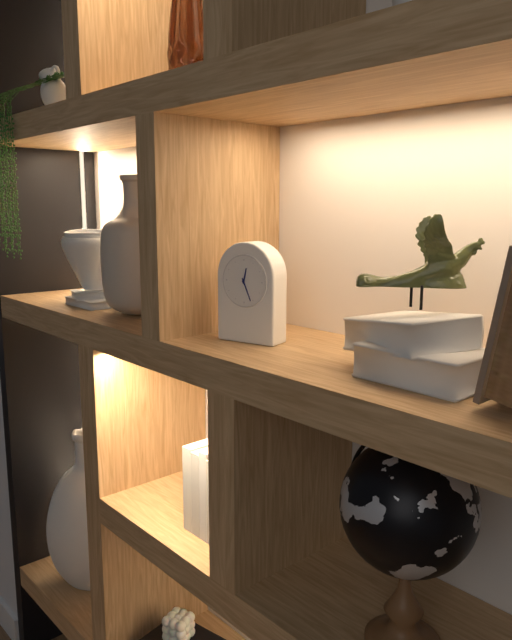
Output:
**12:26**
